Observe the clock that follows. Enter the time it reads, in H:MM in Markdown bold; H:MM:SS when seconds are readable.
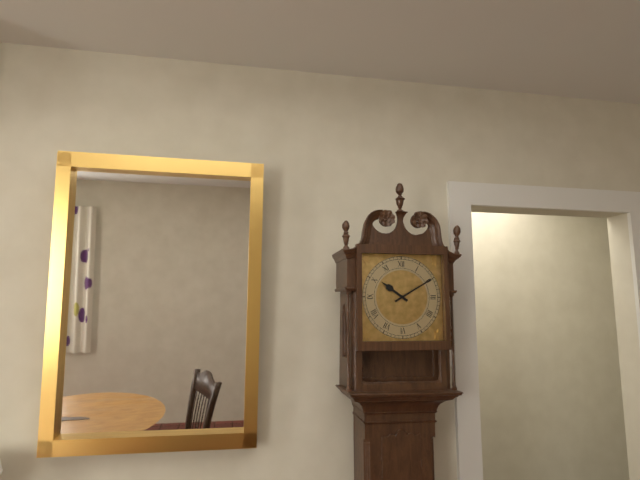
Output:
**10:10**
